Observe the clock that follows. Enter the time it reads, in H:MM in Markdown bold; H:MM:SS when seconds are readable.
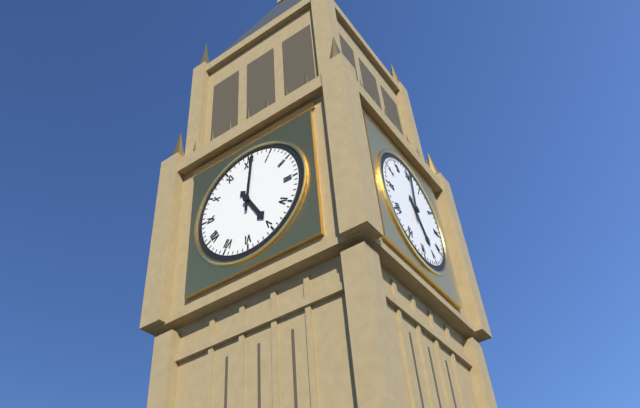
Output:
**5:01**
